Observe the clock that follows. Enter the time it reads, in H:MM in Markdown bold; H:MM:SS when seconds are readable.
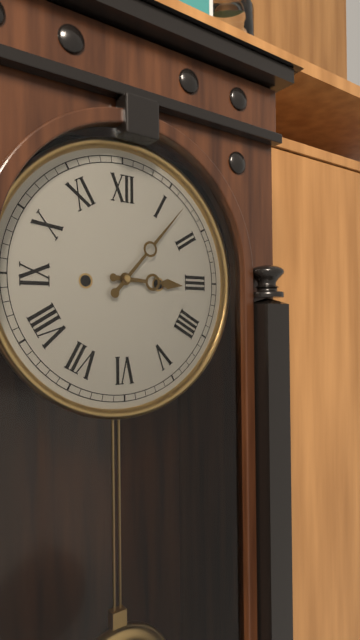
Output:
**3:07**
